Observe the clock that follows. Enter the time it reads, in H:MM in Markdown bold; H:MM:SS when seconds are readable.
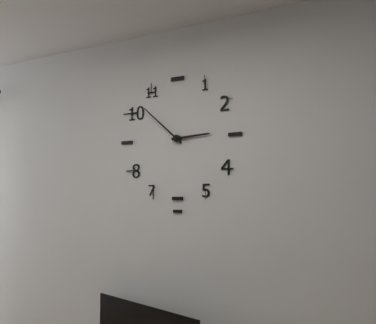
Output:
**2:52**
